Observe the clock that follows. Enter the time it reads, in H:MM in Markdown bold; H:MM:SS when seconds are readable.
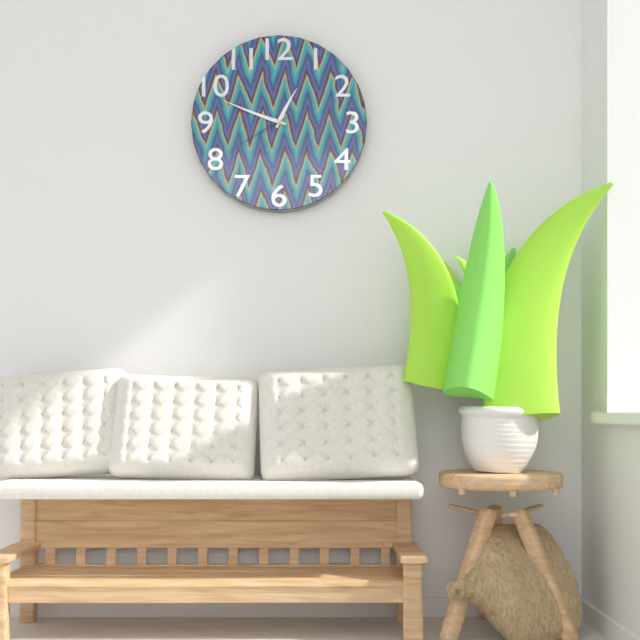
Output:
**12:48:40**
